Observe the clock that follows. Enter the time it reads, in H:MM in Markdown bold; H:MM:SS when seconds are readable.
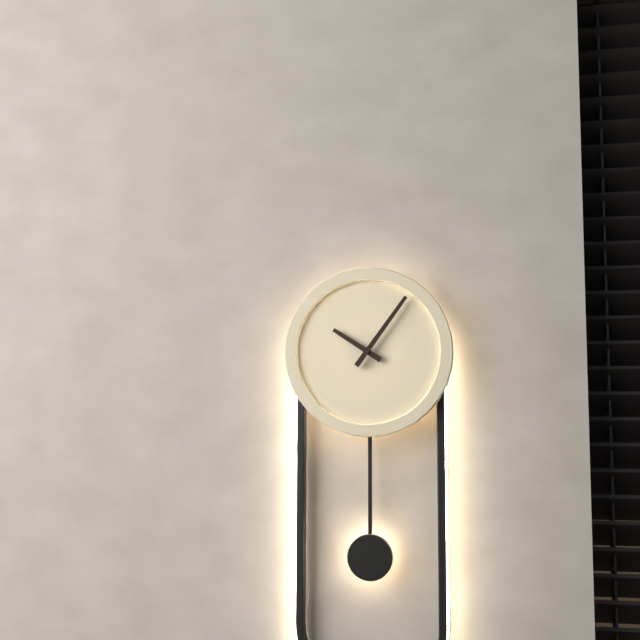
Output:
**10:06**
